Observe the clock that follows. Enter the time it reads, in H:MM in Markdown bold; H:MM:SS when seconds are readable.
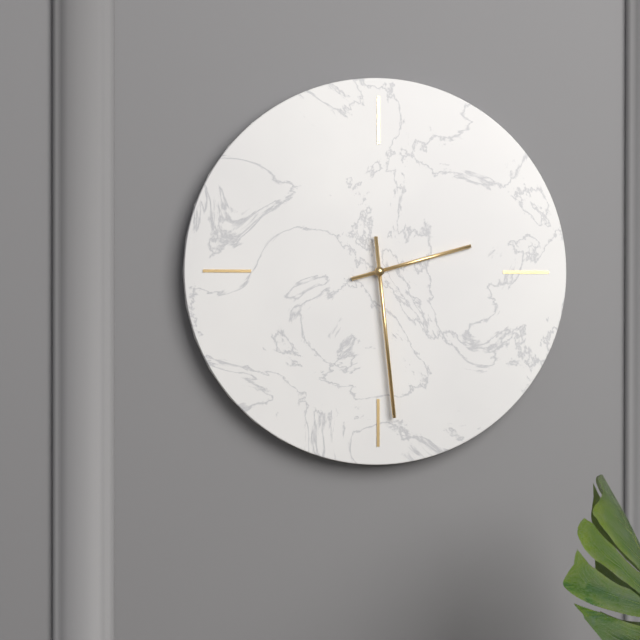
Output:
**2:29**
